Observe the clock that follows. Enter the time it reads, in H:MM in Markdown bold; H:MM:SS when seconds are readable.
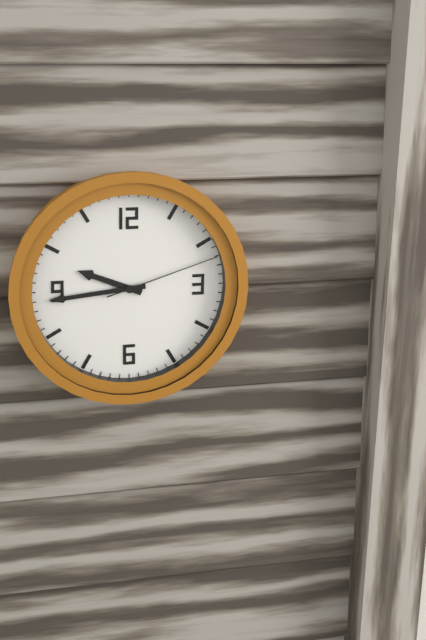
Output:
**9:44:12**
